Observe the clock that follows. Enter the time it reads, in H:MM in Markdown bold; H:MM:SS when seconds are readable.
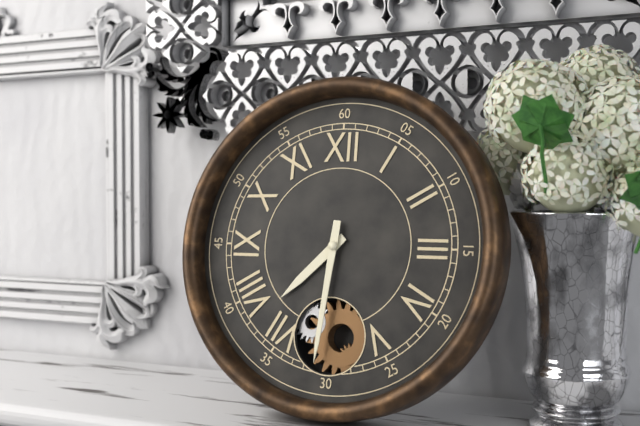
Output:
**7:31**
